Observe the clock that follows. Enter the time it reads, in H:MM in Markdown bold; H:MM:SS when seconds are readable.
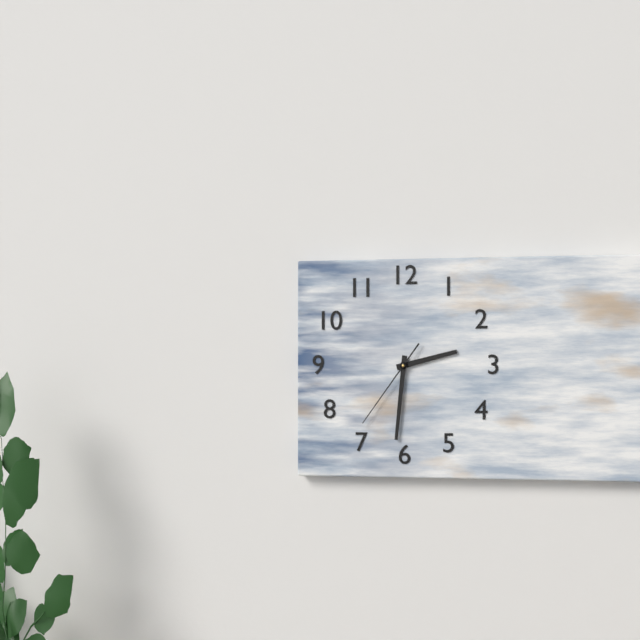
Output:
**2:31:36**
